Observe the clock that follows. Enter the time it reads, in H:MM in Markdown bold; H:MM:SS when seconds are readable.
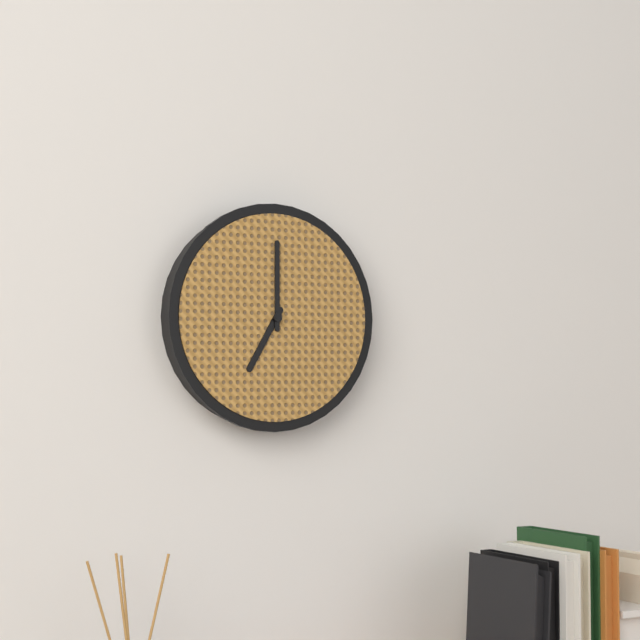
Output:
**7:00**
